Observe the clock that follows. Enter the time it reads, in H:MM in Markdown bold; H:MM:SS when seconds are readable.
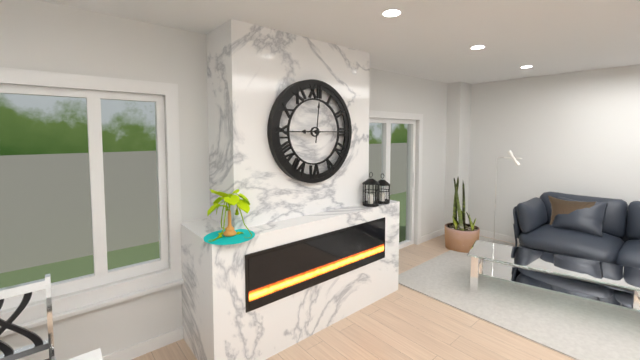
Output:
**9:01**
